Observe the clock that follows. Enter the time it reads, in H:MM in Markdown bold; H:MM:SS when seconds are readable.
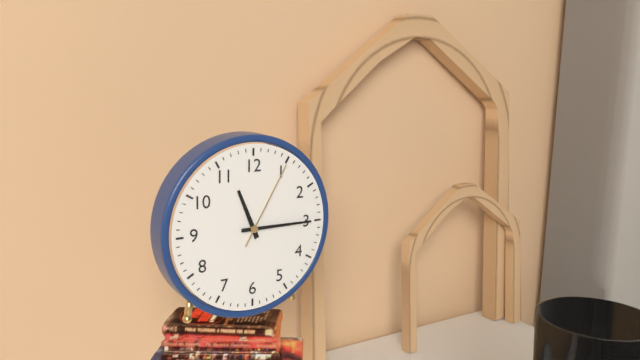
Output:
**11:15:05**
